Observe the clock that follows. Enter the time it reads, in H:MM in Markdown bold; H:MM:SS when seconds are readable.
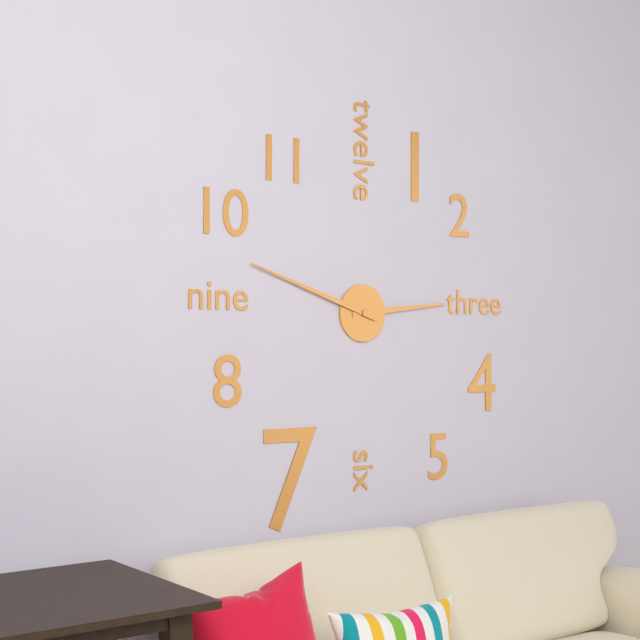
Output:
**2:48**
